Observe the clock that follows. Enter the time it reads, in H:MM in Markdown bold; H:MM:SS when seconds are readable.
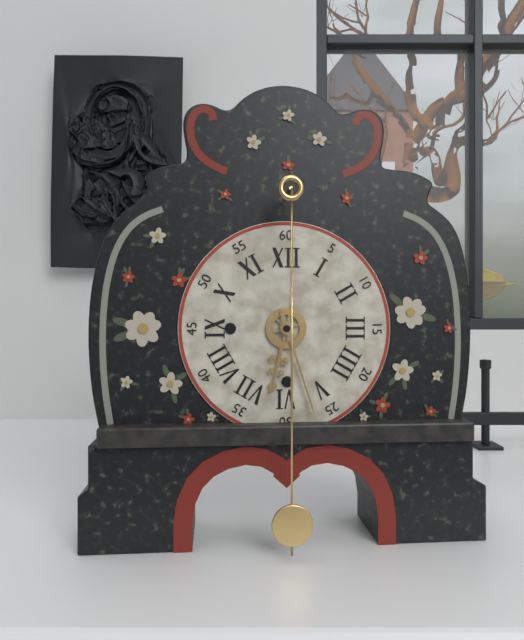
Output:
**6:27**
